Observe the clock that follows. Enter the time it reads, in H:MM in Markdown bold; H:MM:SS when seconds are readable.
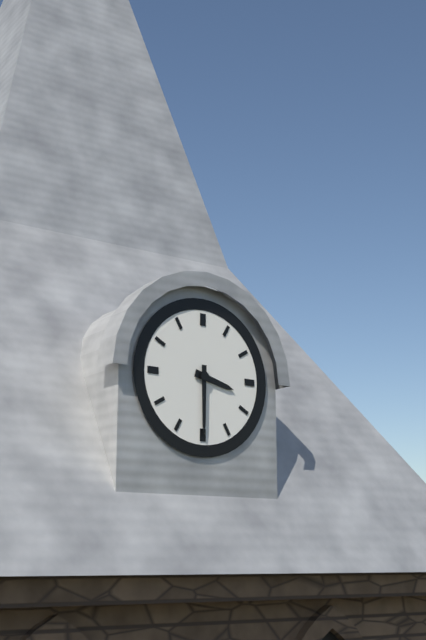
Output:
**3:30**
